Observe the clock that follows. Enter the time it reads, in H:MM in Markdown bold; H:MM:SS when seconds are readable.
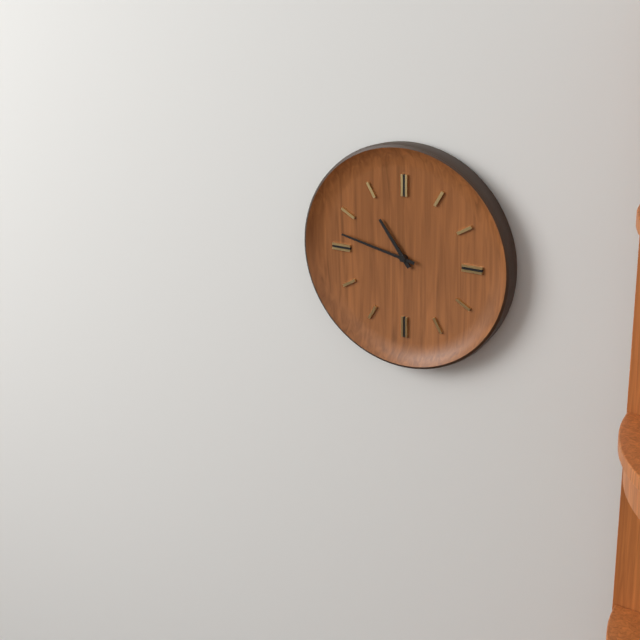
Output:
**10:47**
